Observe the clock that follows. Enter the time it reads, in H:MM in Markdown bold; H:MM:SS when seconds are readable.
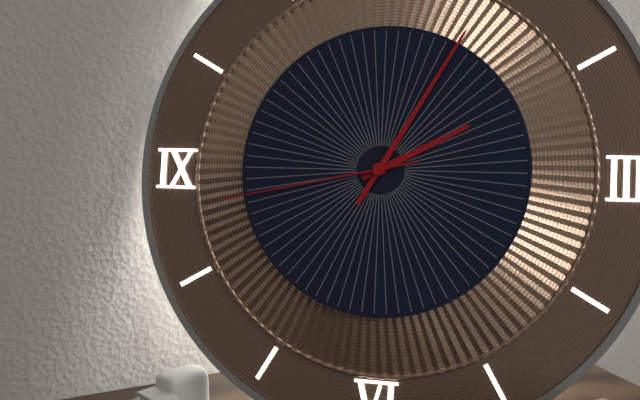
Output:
**2:05:43**
